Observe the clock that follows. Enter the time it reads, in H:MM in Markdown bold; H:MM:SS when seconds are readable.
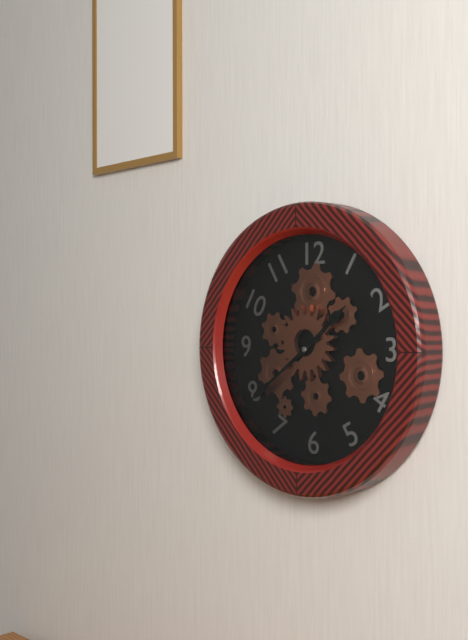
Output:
**1:39**
